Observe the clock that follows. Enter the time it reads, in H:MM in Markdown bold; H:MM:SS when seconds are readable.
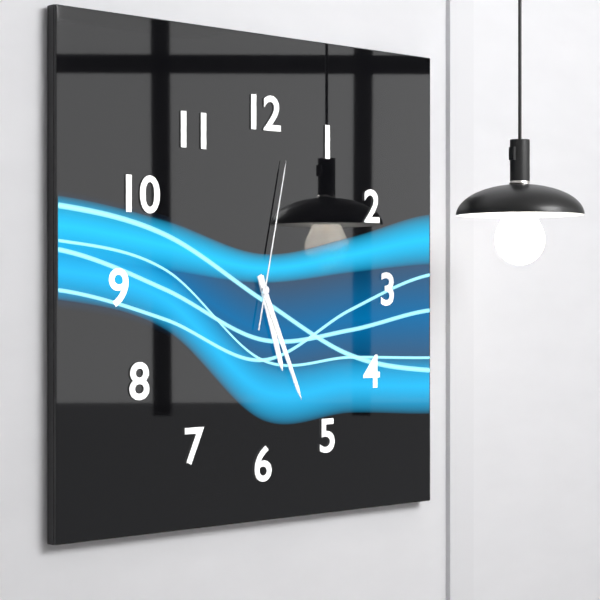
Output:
**5:26:02**
